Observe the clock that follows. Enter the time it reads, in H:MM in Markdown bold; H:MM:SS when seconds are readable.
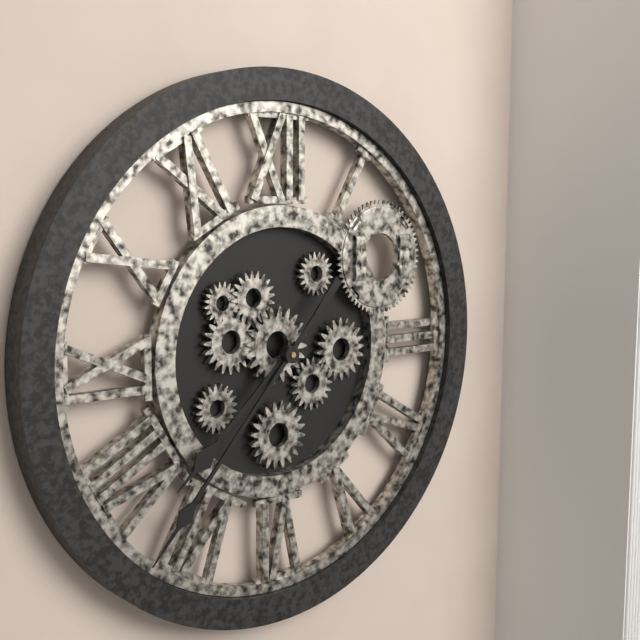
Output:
**7:37**
